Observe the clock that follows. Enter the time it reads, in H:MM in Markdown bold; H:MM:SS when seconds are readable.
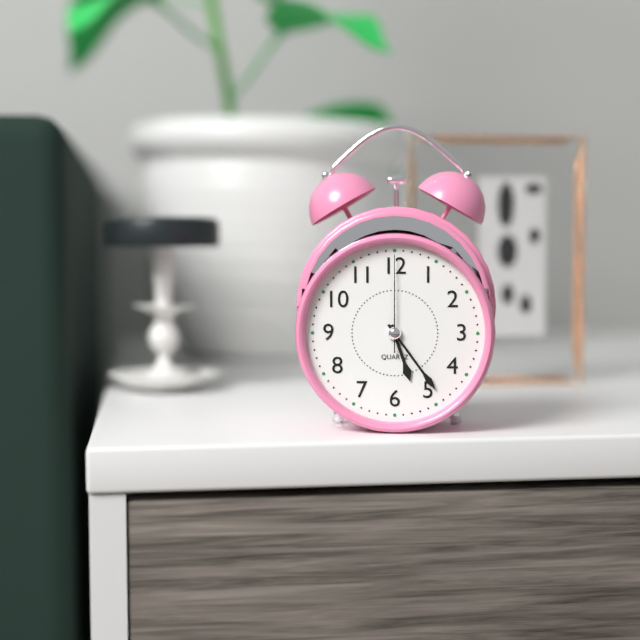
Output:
**5:24:00**
